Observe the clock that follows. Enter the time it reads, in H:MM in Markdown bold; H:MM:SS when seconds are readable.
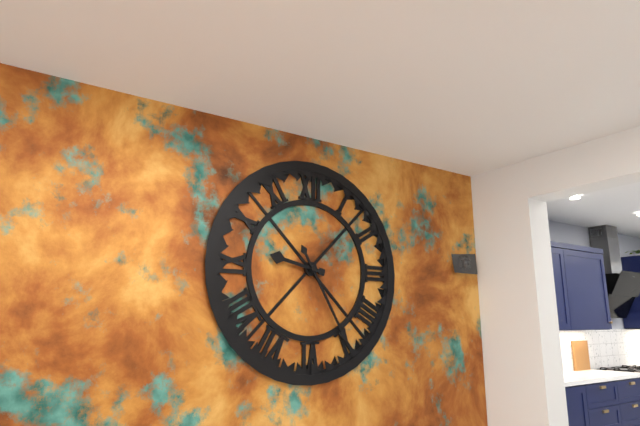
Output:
**9:25**
